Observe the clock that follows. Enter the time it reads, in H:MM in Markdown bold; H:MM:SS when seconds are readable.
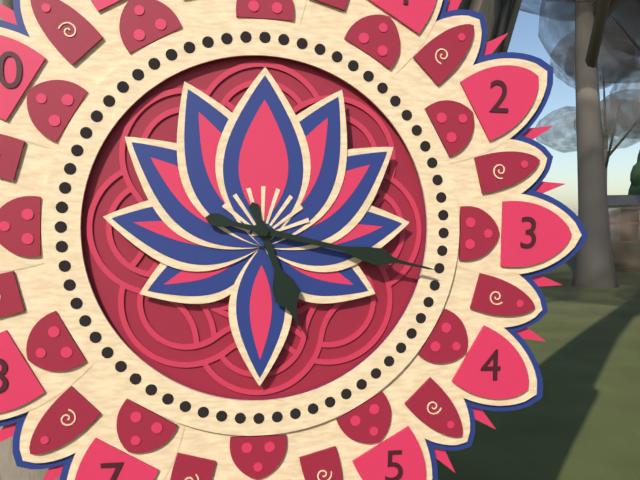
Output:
**5:17**
